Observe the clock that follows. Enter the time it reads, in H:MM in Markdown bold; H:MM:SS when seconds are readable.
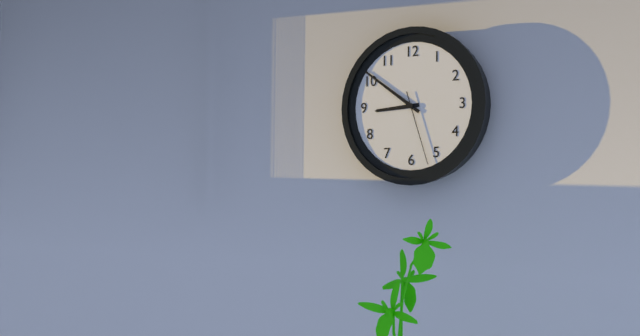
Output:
**8:51:27**
